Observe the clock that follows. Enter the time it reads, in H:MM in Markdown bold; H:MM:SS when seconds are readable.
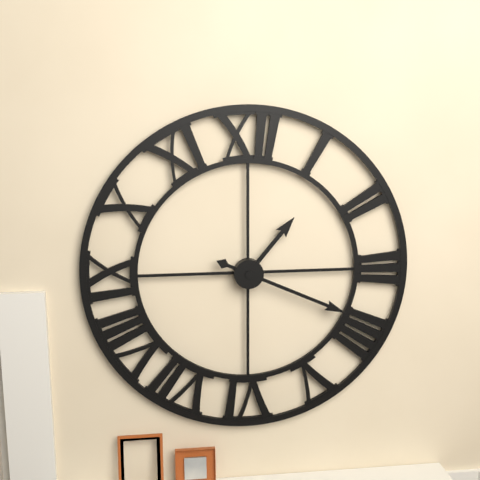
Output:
**1:19**
